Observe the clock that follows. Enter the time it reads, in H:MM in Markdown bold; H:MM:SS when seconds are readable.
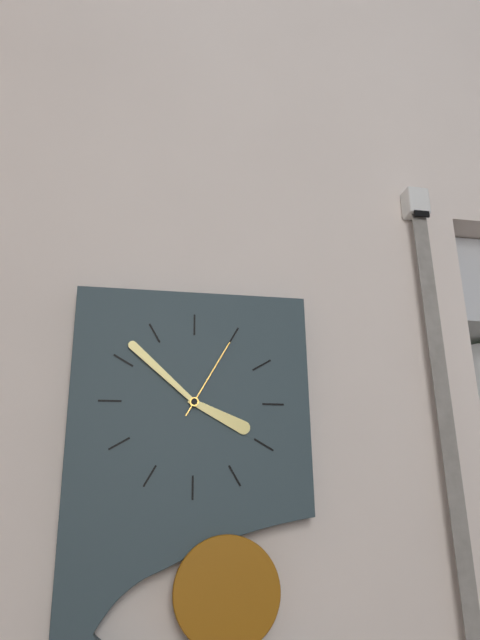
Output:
**3:52:05**
